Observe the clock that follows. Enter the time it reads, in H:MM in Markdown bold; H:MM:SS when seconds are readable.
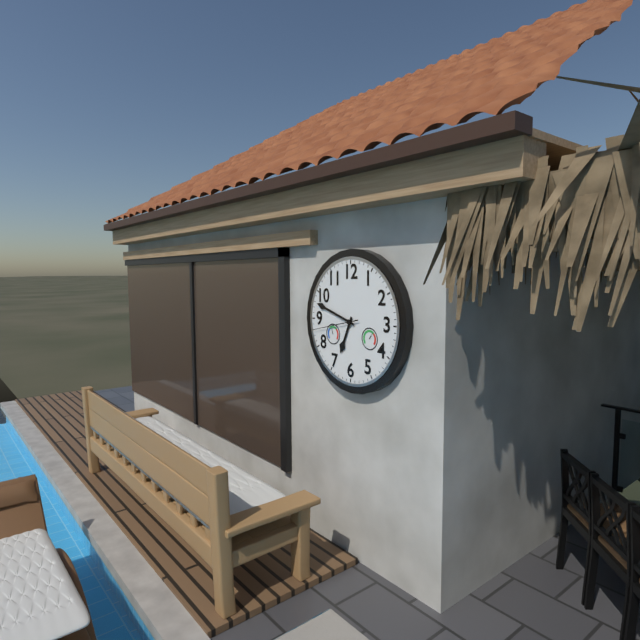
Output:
**6:48**
